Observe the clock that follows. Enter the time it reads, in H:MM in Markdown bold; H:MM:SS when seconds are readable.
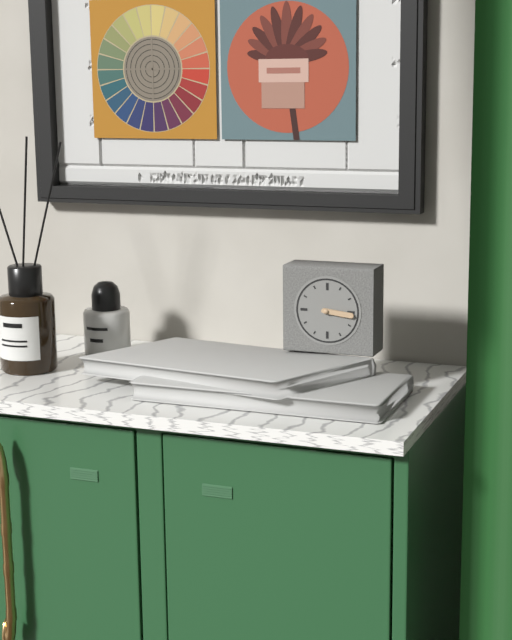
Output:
**3:16**
